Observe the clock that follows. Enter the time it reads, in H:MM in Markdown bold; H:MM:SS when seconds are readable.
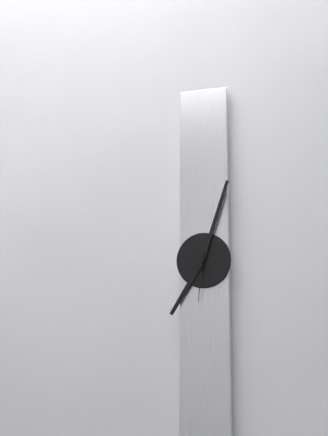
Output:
**7:03:31**
